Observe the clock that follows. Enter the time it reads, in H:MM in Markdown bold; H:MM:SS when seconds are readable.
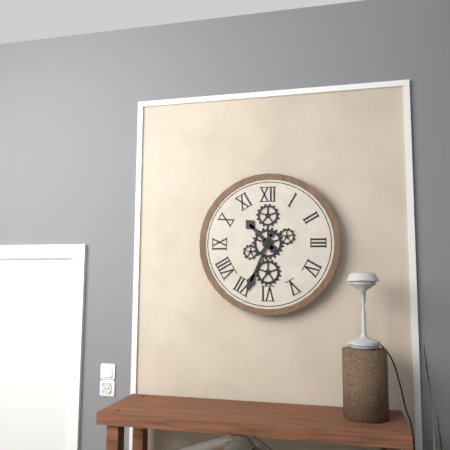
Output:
**10:34**
